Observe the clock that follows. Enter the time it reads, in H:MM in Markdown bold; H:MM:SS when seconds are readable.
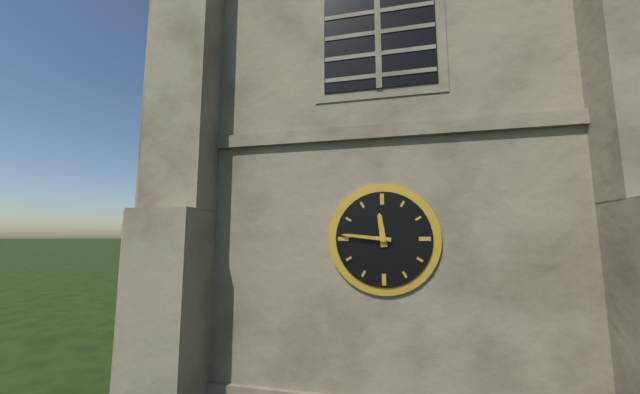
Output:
**11:46**
